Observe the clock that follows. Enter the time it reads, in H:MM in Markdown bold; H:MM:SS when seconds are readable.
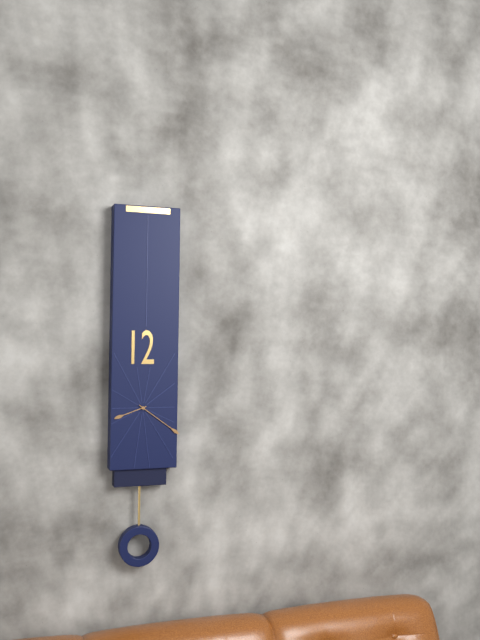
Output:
**8:21**
